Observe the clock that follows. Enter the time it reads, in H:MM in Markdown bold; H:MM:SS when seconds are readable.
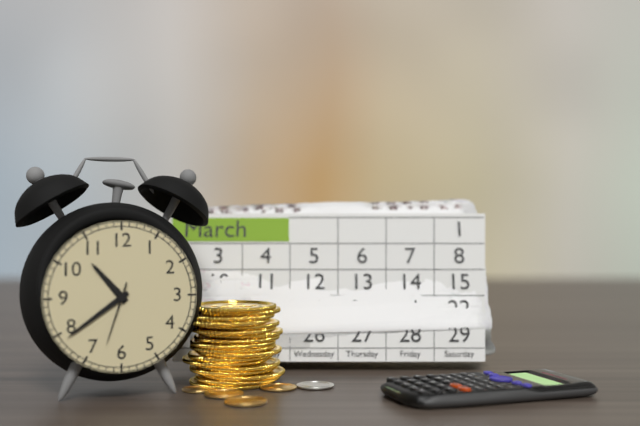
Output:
**10:39:33**
